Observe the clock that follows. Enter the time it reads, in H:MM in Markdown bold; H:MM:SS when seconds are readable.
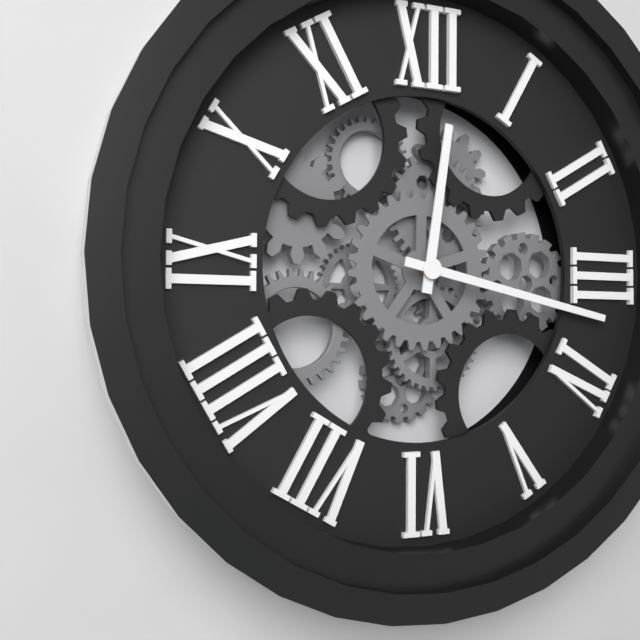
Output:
**12:17**
